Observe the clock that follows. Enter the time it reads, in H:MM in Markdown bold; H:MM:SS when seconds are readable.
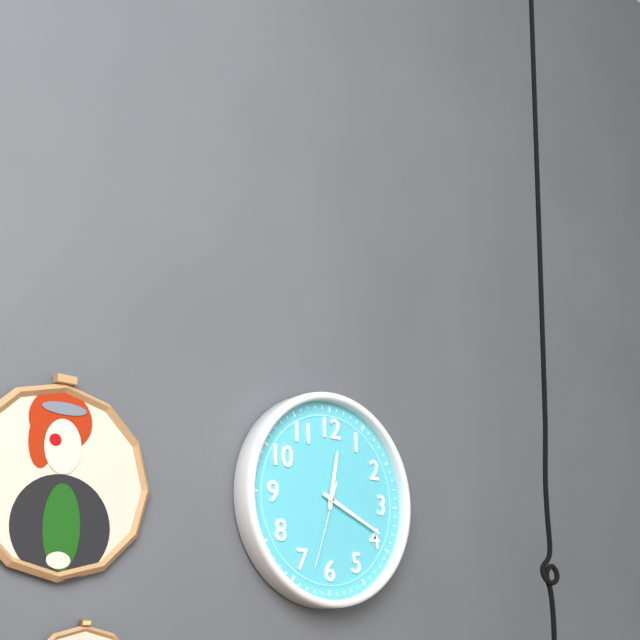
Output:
**12:19:33**
